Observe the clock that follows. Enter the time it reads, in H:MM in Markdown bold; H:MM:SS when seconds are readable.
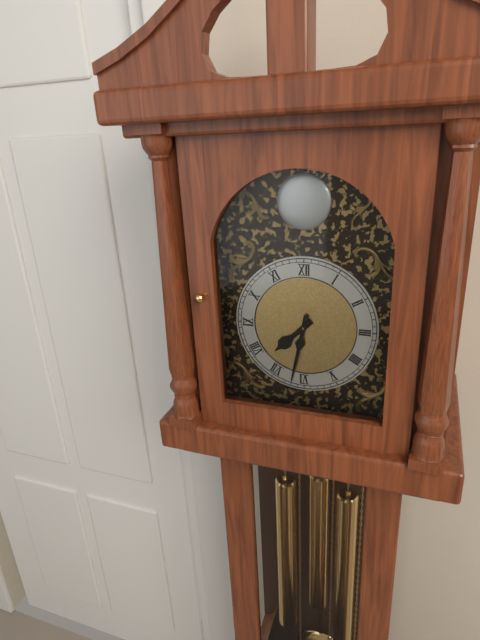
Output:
**7:32**
